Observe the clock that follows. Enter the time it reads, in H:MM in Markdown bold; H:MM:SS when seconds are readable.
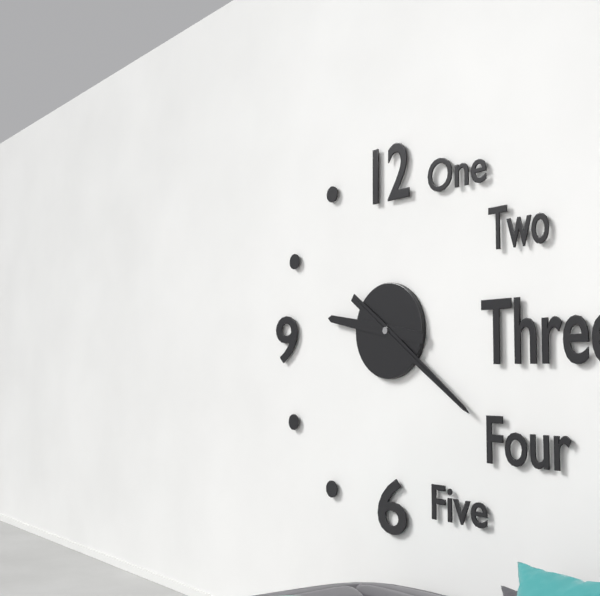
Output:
**9:21:21**
